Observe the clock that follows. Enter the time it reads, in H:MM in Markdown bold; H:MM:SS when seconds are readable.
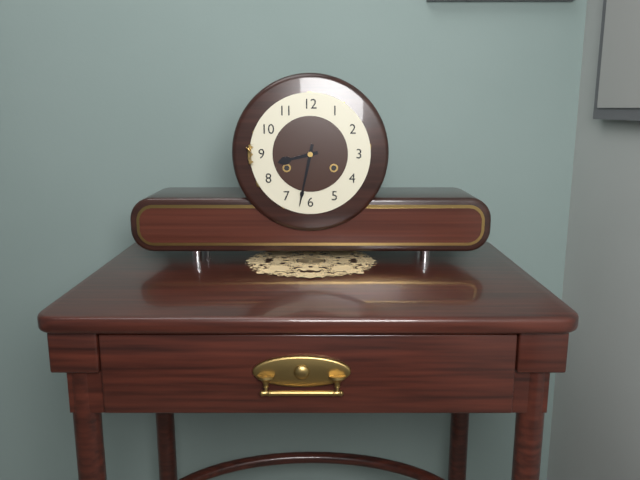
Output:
**8:32**
